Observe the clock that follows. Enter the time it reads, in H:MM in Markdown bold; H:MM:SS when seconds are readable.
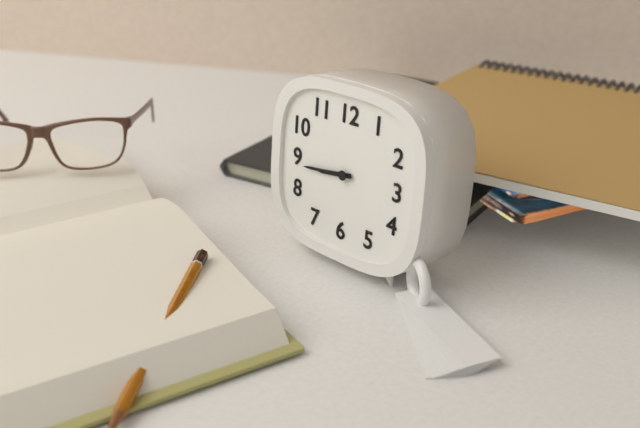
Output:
**8:44**
